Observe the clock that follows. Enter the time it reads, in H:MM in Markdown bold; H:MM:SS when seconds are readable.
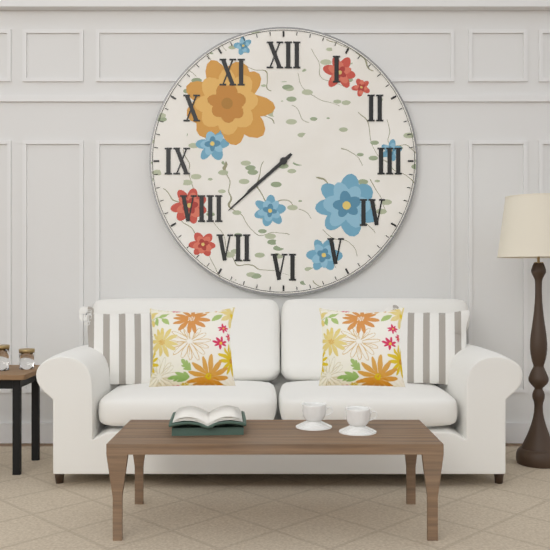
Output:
**7:38**
